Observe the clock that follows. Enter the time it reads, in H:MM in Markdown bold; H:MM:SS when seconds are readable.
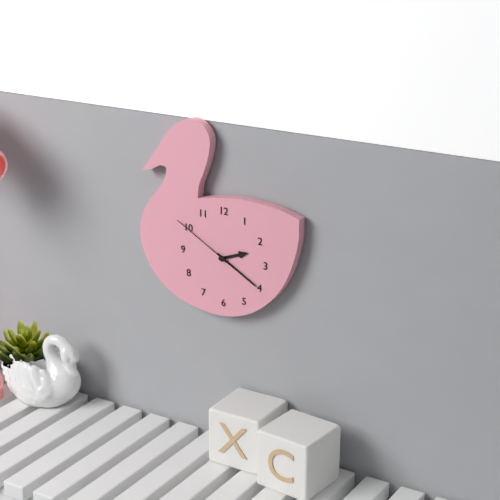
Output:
**2:20:50**
